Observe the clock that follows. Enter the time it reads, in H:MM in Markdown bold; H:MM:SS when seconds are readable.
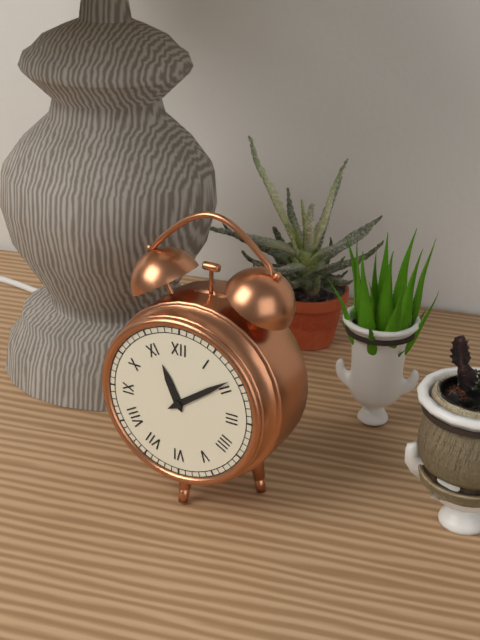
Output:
**11:09**
